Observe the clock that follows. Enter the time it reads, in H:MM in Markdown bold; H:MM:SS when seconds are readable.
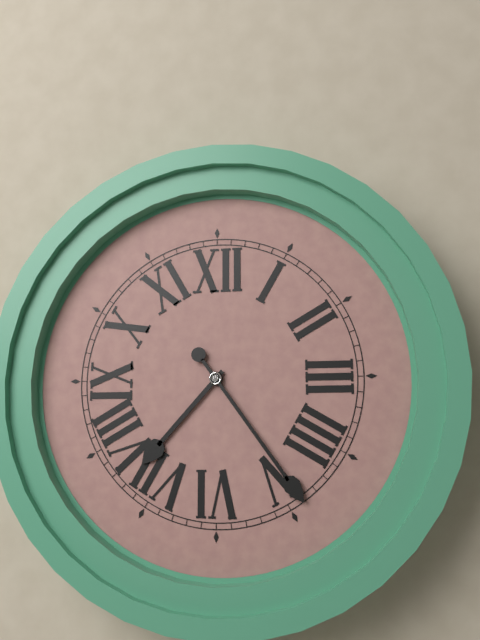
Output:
**7:24**
